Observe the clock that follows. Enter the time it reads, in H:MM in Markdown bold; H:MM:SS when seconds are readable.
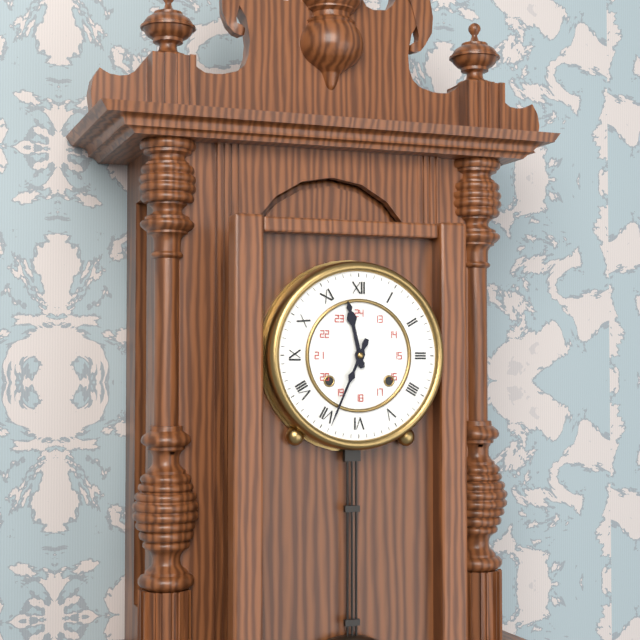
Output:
**11:34**
